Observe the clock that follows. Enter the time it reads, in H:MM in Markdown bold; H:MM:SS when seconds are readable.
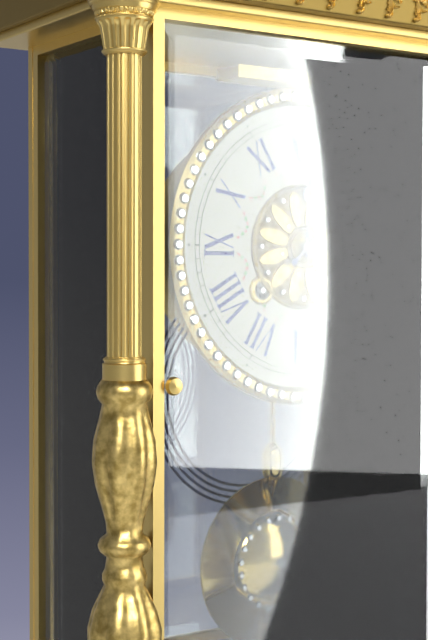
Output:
**12:08**
